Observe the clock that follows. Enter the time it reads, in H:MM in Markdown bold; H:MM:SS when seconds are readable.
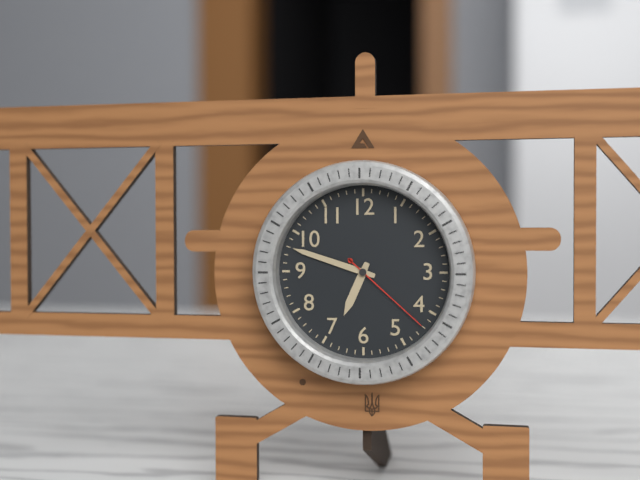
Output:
**6:48:22**
